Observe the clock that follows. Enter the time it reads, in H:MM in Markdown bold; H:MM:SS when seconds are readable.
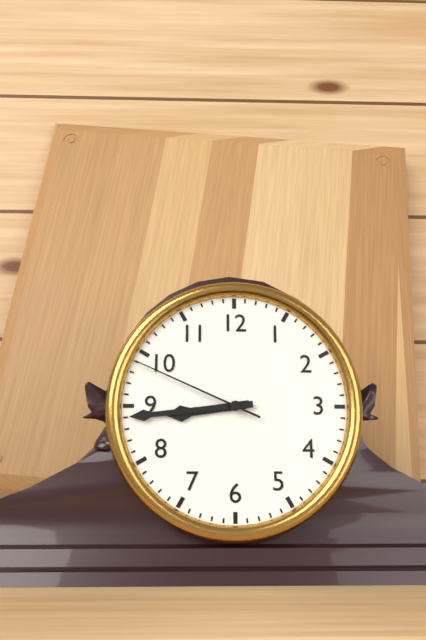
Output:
**8:44:49**
